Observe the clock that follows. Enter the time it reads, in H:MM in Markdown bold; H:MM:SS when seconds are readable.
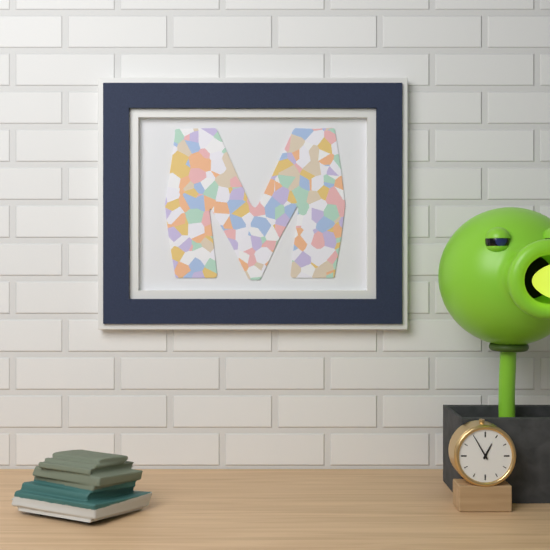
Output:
**12:55**
